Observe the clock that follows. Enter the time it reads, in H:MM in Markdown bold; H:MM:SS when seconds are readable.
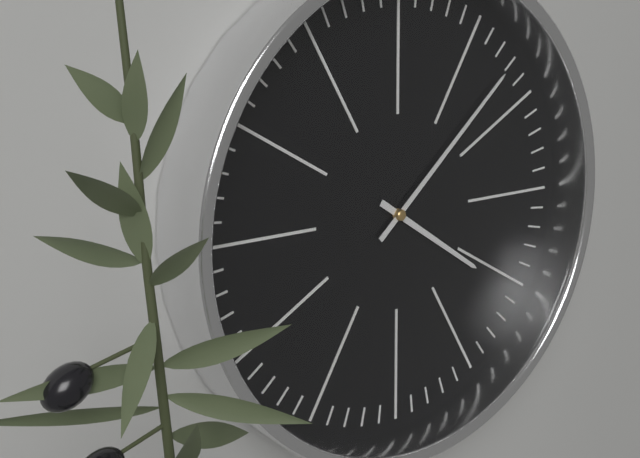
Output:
**4:08**
